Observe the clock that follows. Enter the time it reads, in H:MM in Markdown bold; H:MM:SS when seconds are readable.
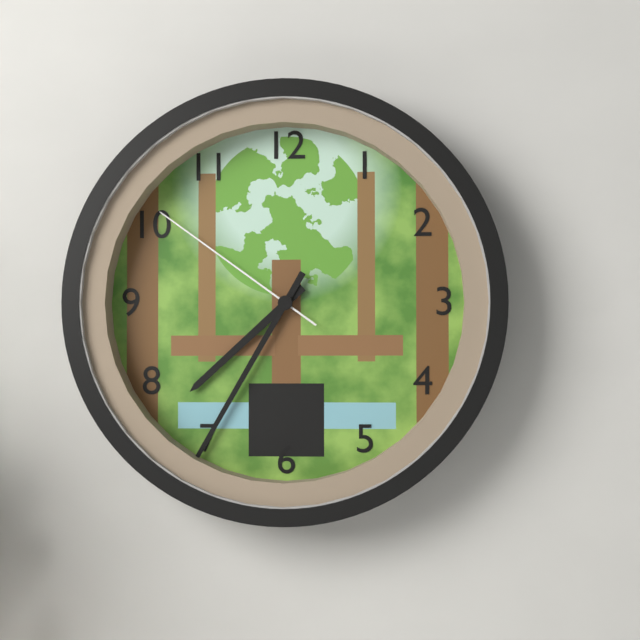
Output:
**7:35:51**
